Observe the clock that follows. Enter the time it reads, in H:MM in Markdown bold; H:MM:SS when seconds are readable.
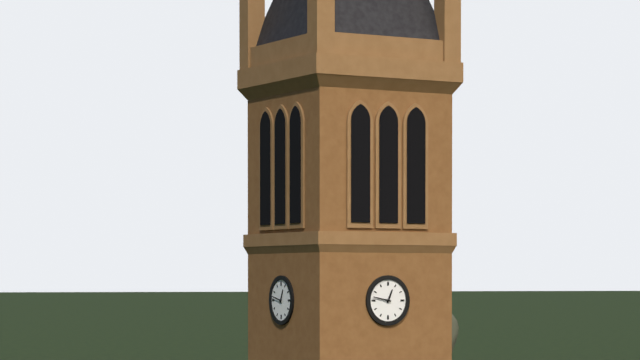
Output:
**12:47**
